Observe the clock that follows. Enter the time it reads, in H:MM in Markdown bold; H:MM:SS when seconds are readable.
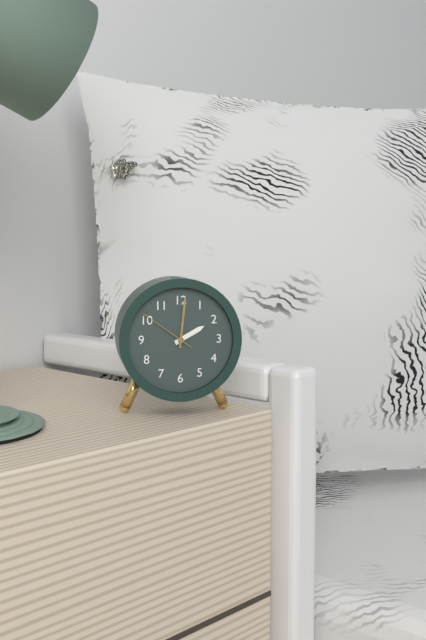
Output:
**2:01:51**
